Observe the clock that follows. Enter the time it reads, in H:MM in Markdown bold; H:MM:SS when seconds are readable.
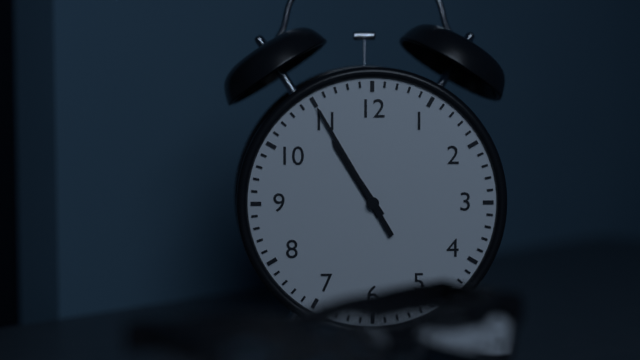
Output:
**10:55**
